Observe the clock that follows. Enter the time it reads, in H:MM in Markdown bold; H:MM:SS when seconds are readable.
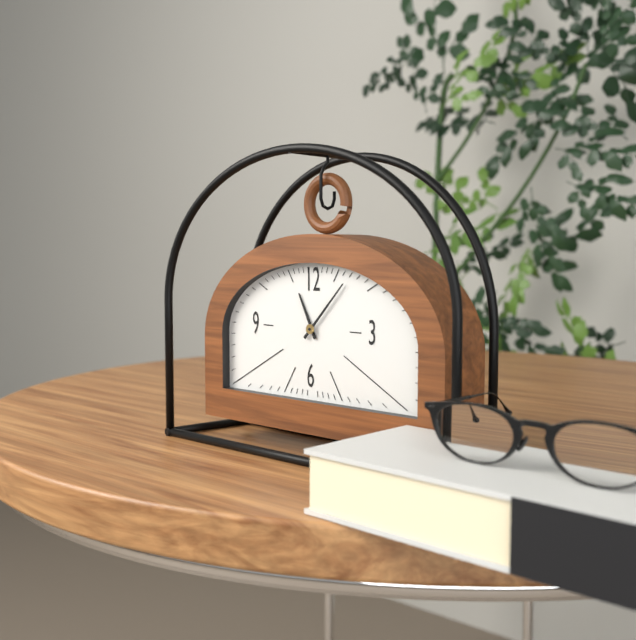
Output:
**11:07**
